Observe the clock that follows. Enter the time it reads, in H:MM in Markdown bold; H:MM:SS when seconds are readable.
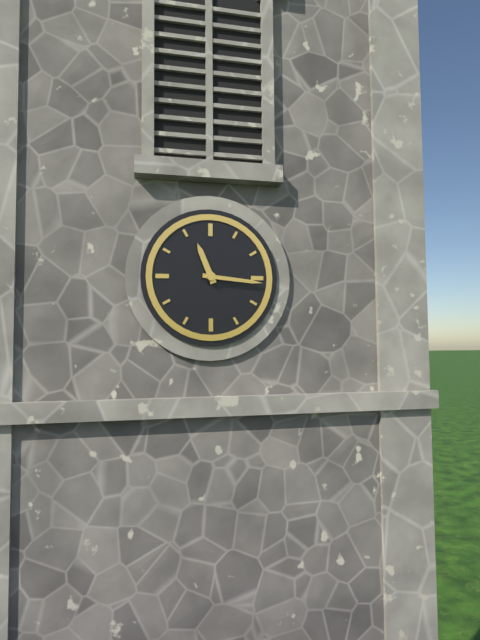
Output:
**11:16**
